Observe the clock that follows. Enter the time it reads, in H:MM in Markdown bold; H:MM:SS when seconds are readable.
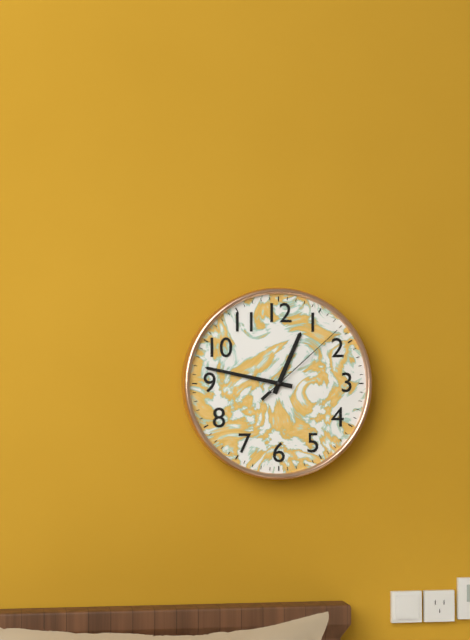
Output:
**12:47:08**
